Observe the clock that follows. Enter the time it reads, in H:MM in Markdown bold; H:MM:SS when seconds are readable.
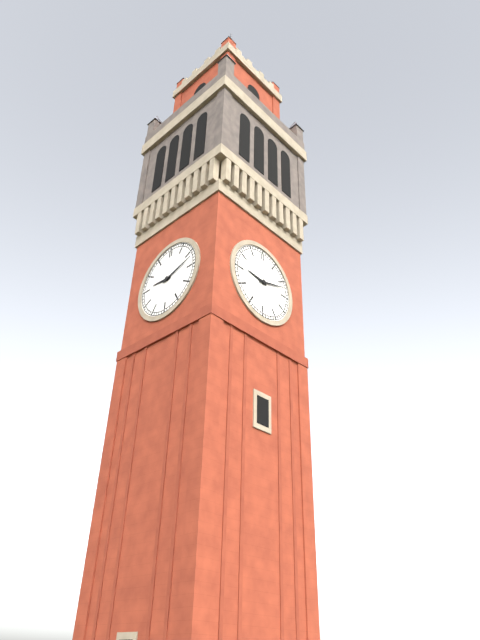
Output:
**9:12**
